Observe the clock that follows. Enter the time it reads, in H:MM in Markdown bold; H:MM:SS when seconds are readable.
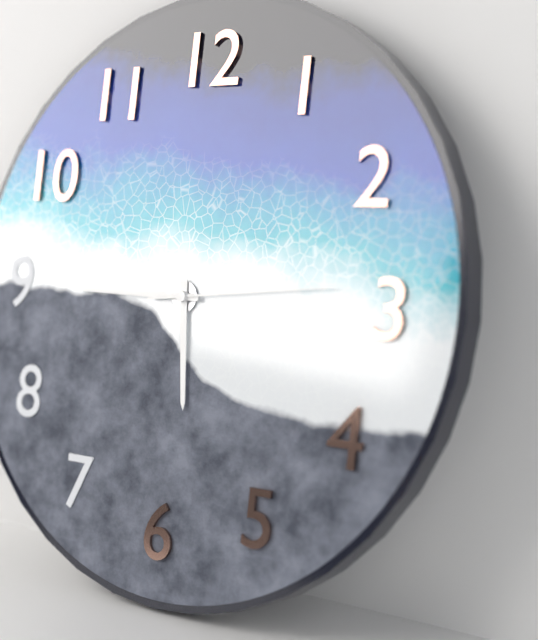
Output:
**5:45:14**
